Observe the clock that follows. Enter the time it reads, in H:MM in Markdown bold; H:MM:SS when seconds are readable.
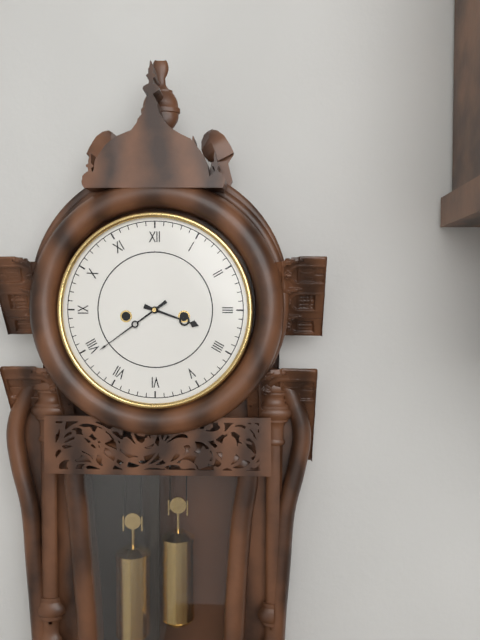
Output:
**3:39**
